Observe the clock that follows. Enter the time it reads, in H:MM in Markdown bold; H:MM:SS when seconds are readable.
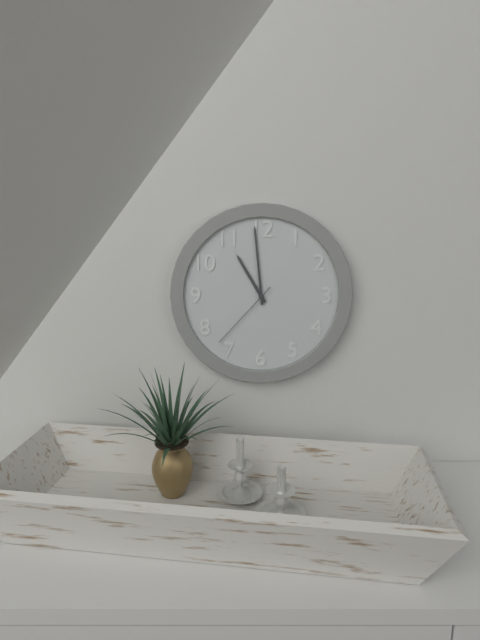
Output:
**10:59:37**
